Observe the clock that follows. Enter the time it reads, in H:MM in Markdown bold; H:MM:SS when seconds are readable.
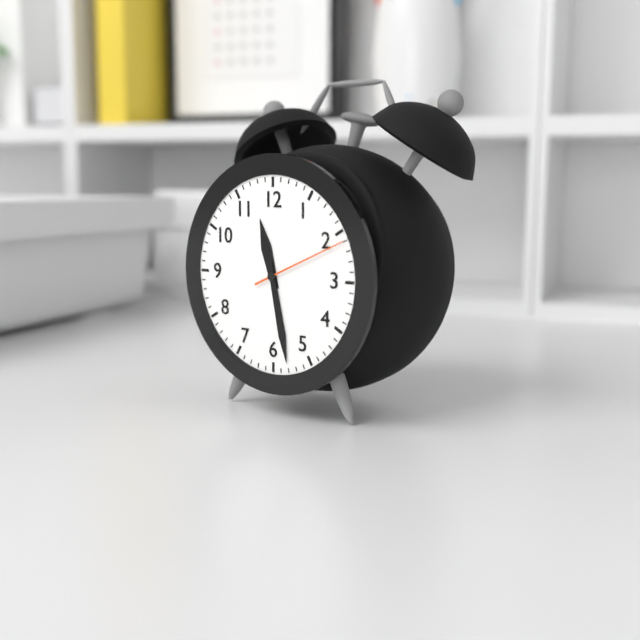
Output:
**11:28:11**
